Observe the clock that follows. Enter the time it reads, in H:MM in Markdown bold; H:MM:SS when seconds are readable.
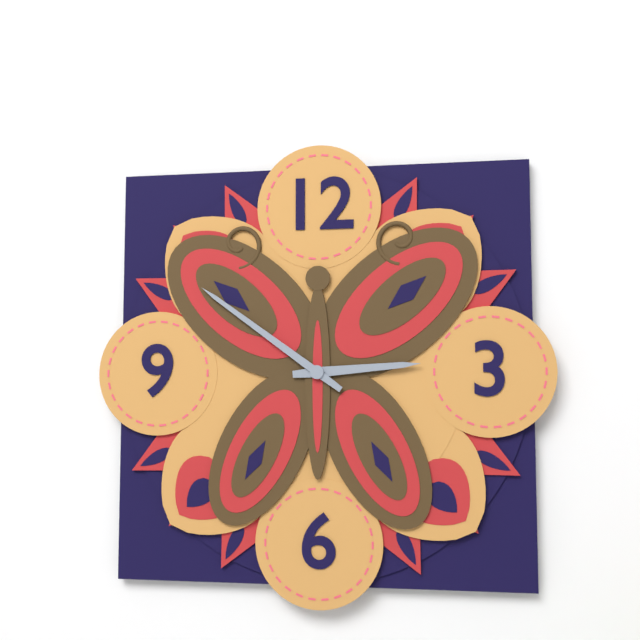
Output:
**2:51**
